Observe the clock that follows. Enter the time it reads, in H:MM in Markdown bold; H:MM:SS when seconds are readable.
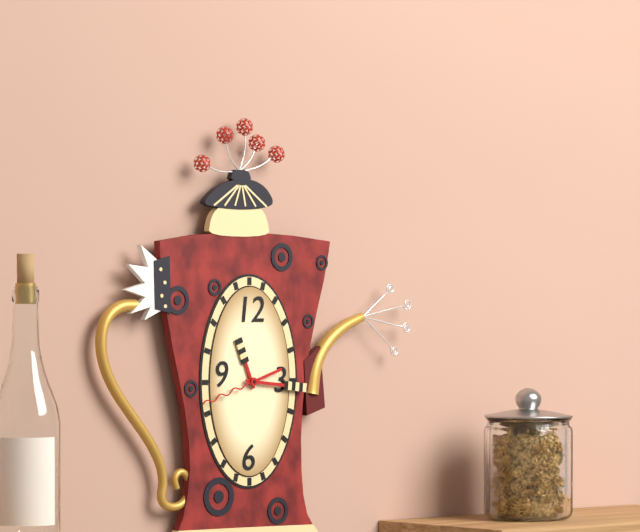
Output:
**11:16:42**
